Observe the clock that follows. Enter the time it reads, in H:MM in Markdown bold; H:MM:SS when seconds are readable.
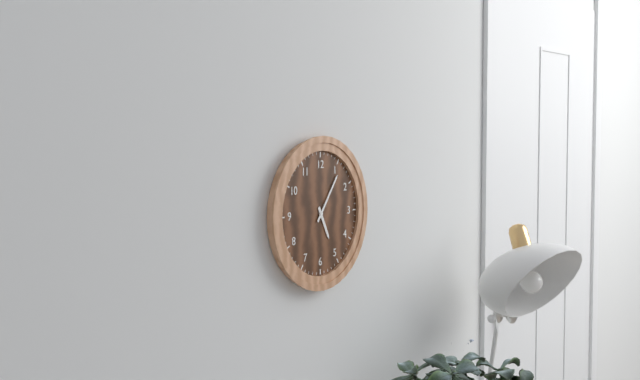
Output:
**5:06**
